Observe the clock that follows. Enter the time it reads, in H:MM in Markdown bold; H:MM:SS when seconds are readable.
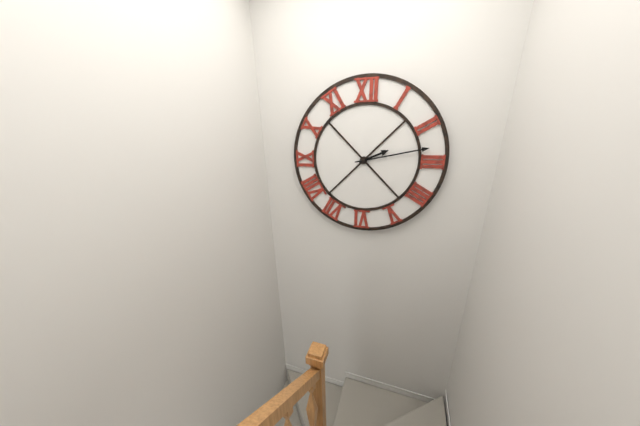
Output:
**2:13**
